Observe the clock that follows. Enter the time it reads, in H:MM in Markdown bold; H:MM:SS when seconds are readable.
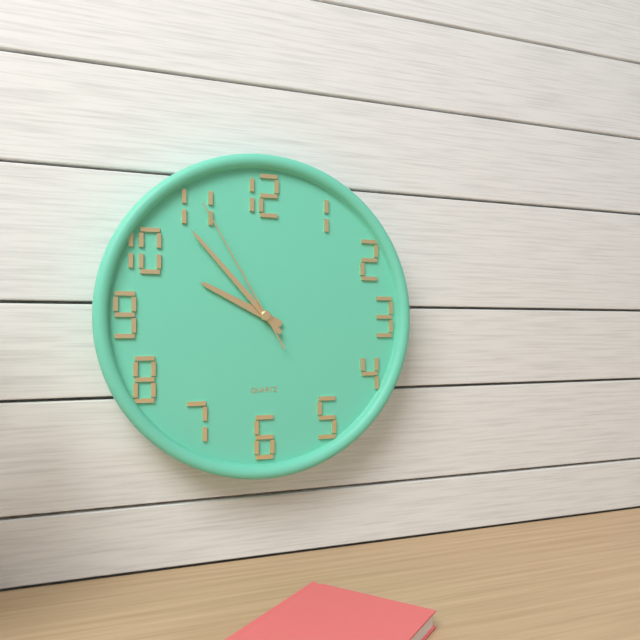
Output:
**9:53:55**
